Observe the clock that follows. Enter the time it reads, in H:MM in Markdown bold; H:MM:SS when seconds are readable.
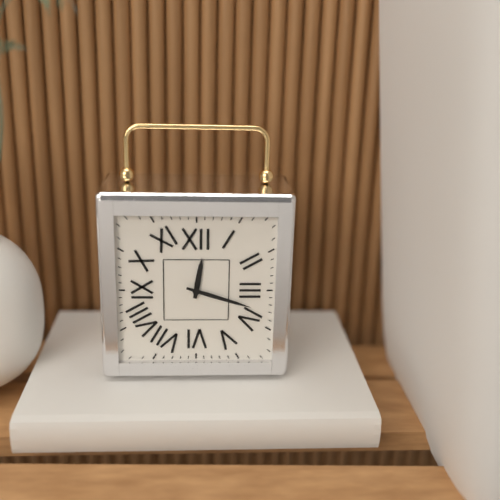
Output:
**12:18**
